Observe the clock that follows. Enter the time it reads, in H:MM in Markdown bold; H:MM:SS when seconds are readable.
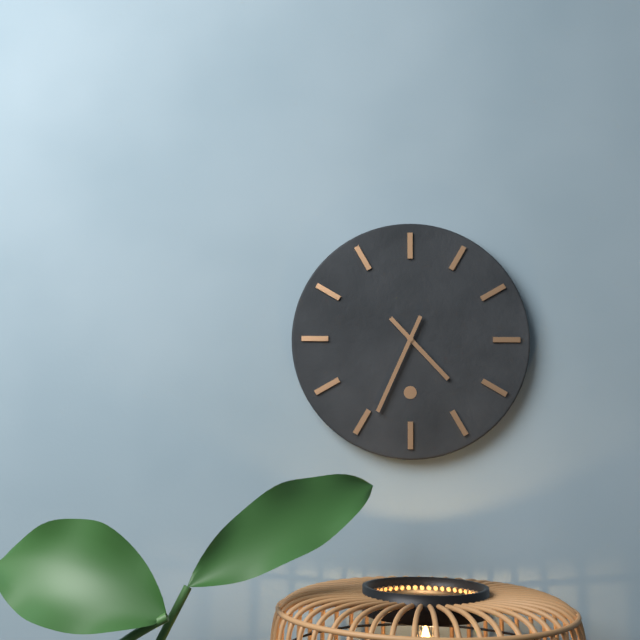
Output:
**4:34**
